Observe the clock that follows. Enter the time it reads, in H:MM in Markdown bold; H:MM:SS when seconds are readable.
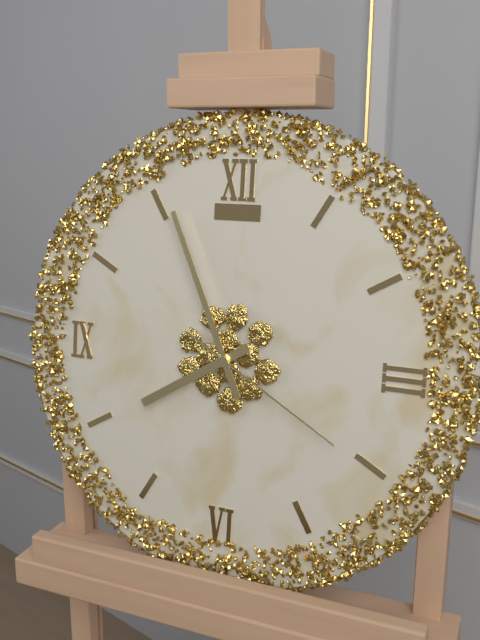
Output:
**7:56:20**
